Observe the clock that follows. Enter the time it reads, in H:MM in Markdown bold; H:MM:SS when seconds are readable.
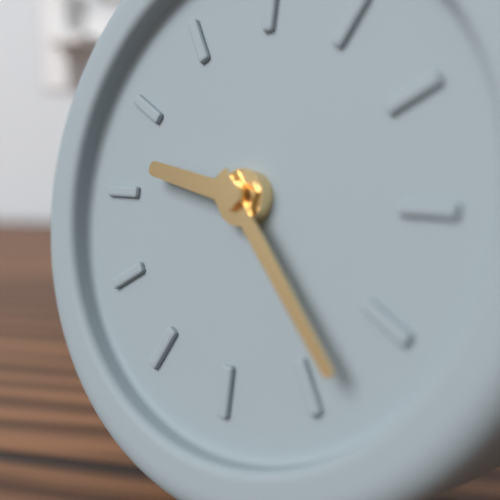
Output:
**9:23**
